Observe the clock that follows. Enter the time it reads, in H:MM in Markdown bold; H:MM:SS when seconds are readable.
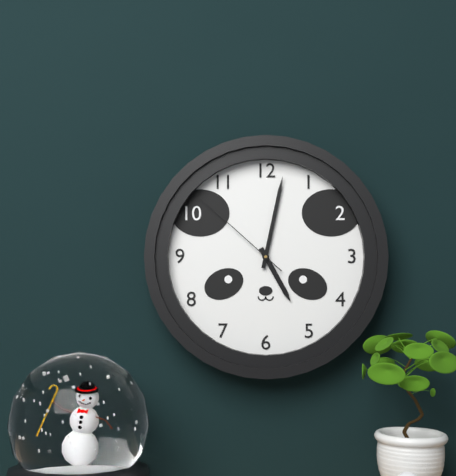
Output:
**5:02:52**
